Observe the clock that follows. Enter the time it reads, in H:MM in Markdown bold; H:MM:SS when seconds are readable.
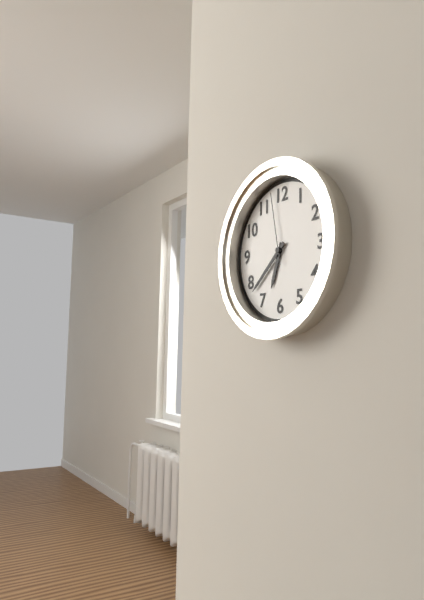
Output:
**6:38:58**
